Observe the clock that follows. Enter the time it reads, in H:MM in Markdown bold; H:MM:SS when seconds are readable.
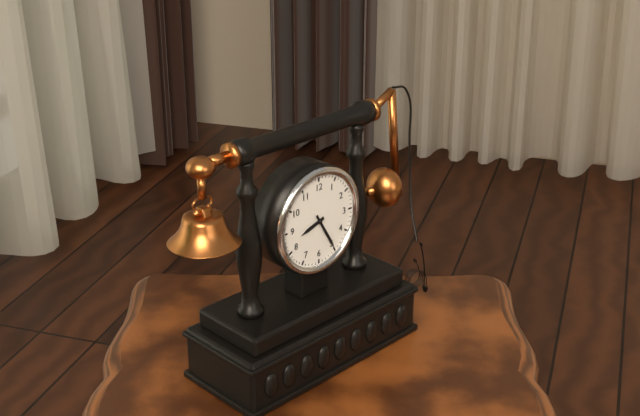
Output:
**8:25**
